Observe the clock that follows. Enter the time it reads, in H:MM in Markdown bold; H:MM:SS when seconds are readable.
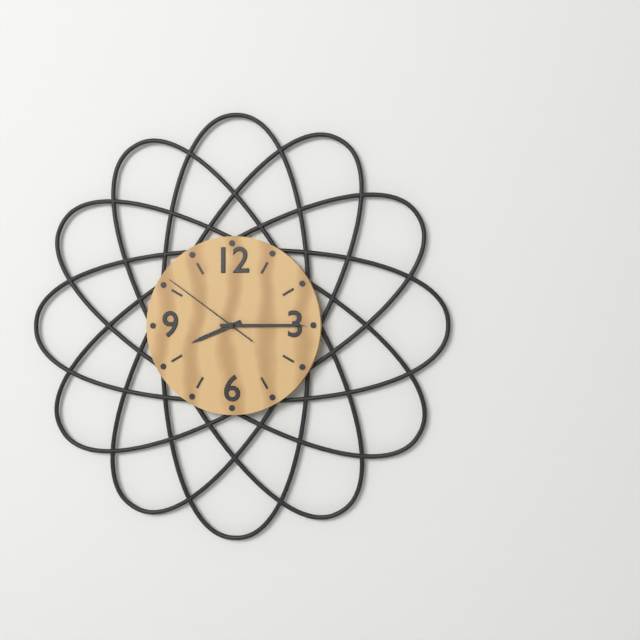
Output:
**8:15:51**
